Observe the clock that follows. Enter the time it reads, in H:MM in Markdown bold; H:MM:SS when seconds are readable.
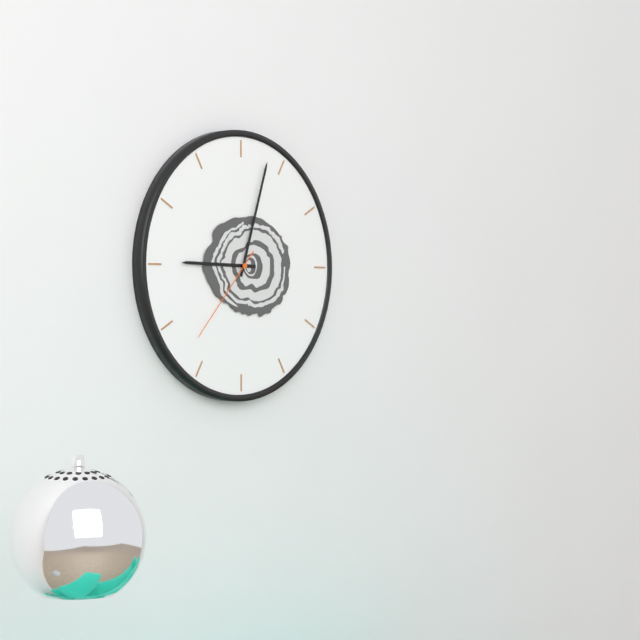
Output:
**9:03:37**
